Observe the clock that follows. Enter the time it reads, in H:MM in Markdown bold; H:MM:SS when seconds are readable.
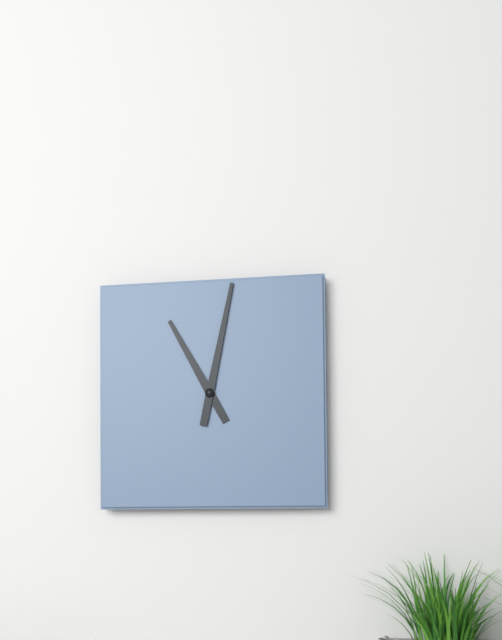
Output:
**11:02**
